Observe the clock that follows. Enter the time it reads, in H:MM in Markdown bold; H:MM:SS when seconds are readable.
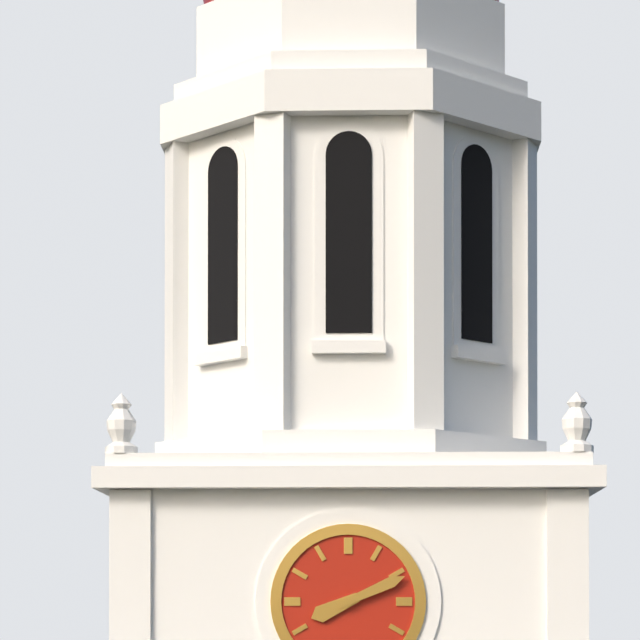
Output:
**8:11**
